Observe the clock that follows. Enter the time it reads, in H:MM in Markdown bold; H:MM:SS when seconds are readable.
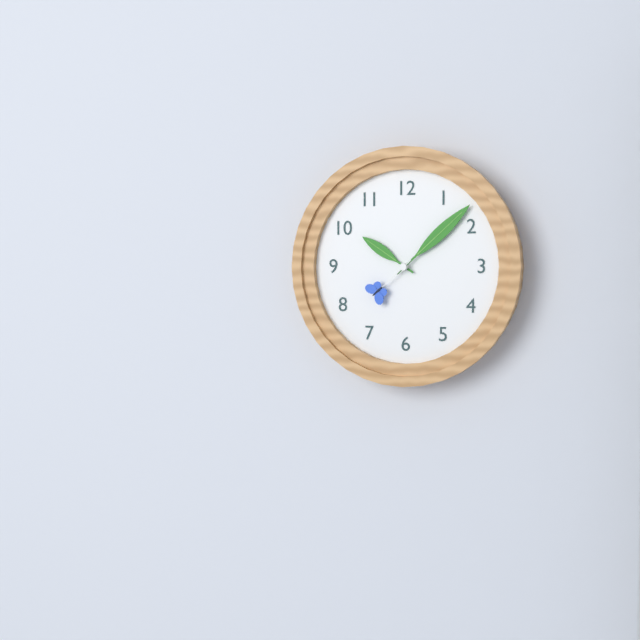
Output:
**10:08:38**
